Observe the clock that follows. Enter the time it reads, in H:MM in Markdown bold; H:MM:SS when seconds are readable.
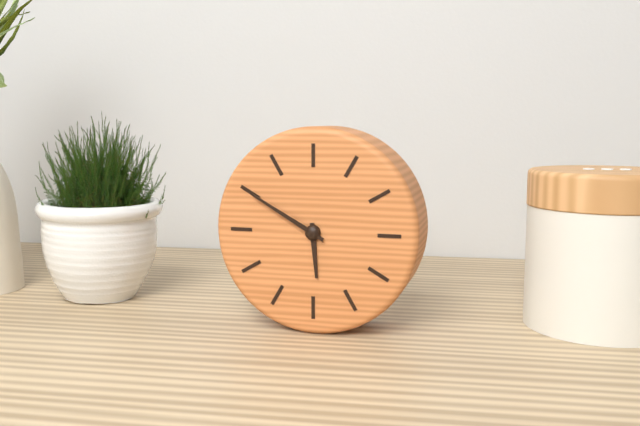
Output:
**5:50**
